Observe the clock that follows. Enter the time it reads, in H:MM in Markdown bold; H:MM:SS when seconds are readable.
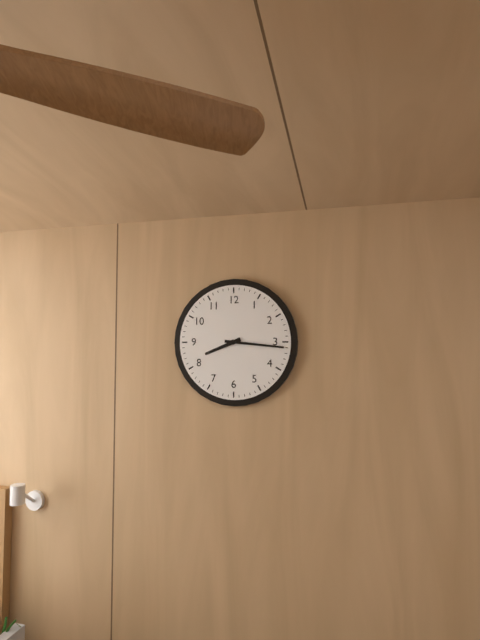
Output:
**8:16**
